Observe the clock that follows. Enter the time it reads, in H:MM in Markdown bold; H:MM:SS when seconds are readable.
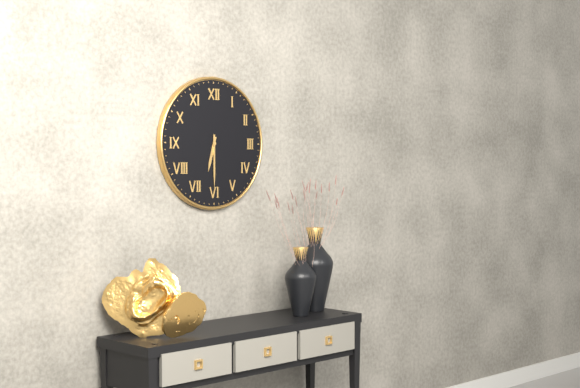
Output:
**6:30**
